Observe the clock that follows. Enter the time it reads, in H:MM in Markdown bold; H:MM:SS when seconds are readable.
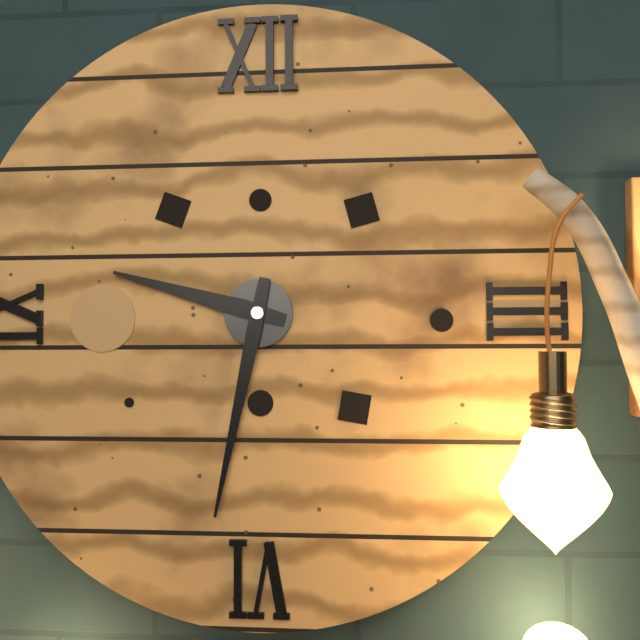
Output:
**9:32**
